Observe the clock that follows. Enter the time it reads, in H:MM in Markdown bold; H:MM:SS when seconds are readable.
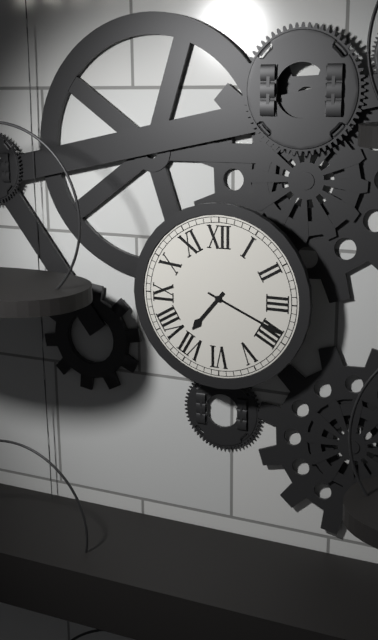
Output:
**7:19**
